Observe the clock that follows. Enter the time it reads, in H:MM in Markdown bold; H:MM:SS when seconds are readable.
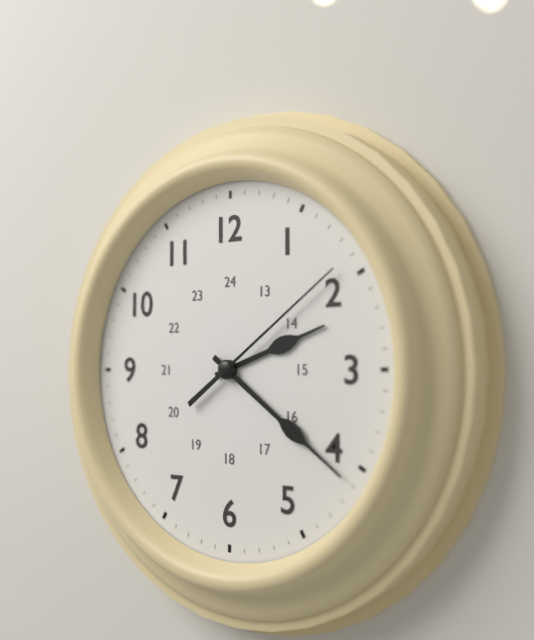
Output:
**2:21:09**
